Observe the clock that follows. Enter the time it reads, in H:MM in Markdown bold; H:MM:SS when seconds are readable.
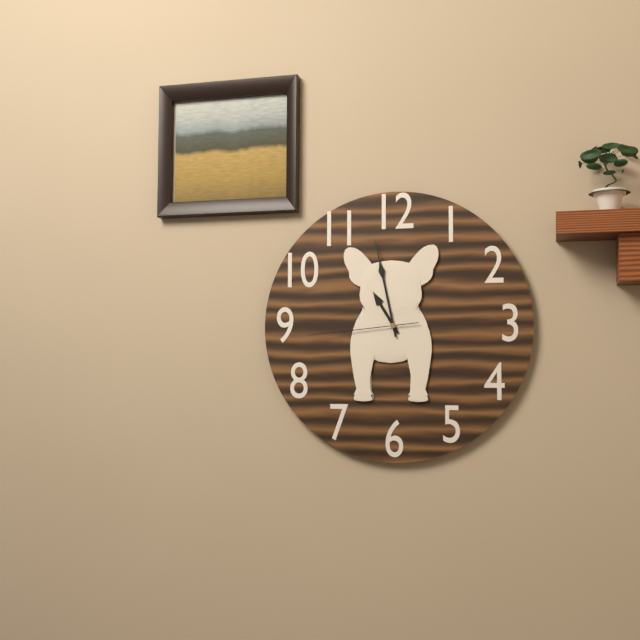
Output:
**10:58:44**
